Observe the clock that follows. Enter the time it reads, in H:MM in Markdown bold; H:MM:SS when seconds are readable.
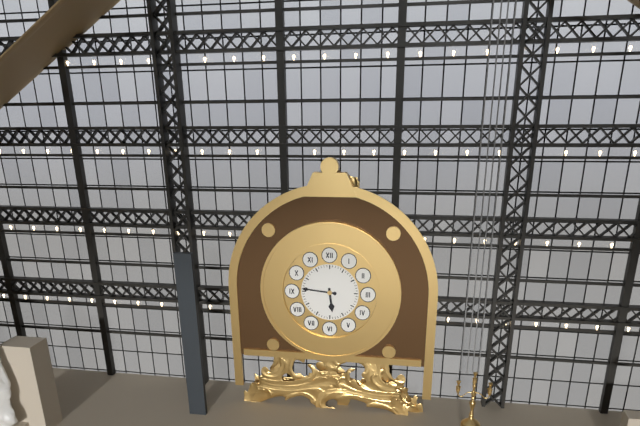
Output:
**5:46**
